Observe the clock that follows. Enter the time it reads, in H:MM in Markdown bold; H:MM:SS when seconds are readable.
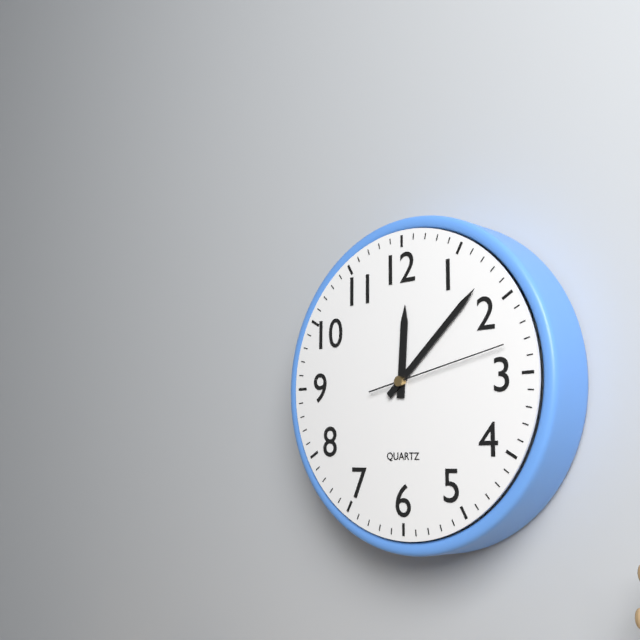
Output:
**12:08:13**
